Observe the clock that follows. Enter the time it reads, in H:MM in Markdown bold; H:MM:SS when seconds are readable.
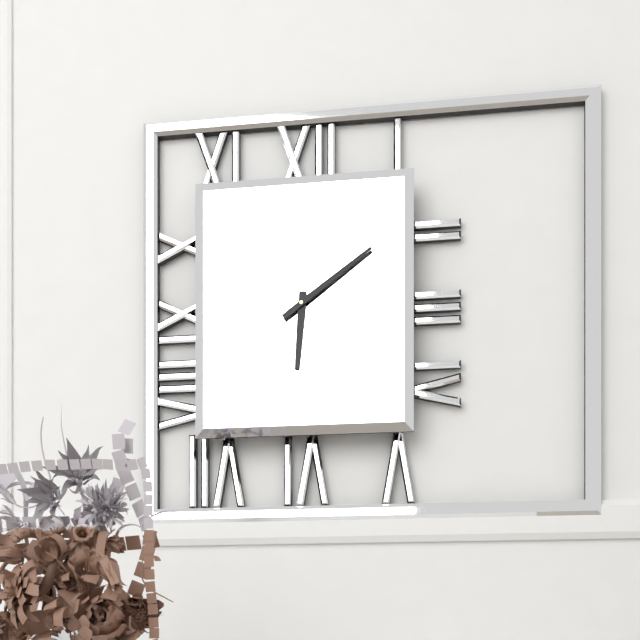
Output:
**6:09**
